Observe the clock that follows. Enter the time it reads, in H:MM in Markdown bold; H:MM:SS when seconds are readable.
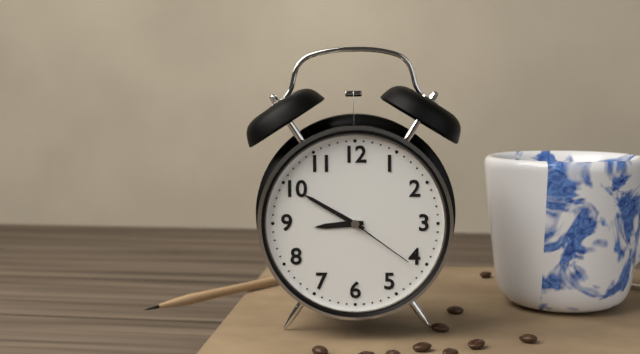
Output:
**8:50:21**
